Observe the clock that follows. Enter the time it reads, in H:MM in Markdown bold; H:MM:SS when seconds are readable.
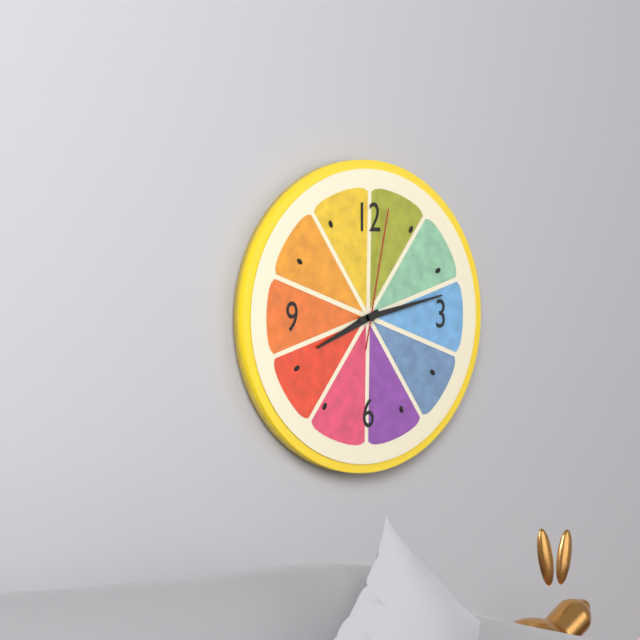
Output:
**8:13:02**
